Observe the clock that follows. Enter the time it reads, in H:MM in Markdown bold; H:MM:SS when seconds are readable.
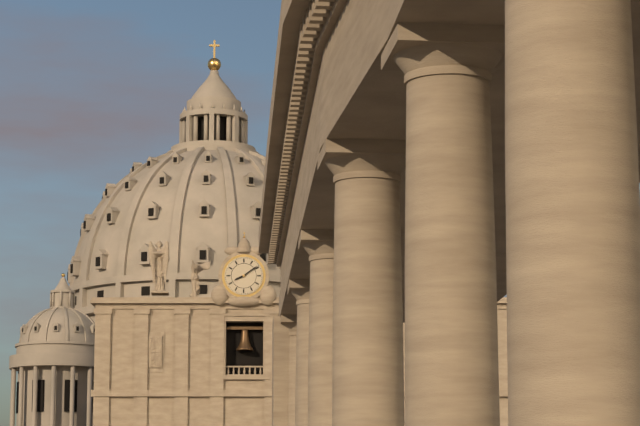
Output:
**8:09**
